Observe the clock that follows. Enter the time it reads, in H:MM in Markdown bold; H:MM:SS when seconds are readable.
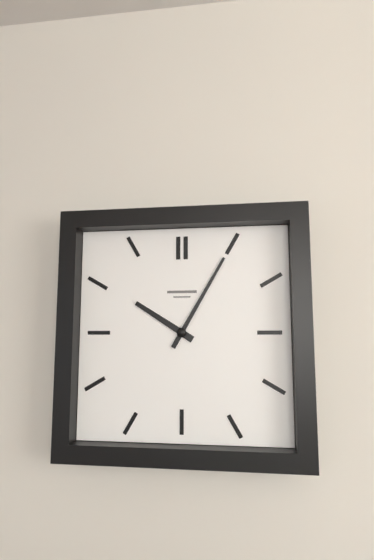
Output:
**10:05**
